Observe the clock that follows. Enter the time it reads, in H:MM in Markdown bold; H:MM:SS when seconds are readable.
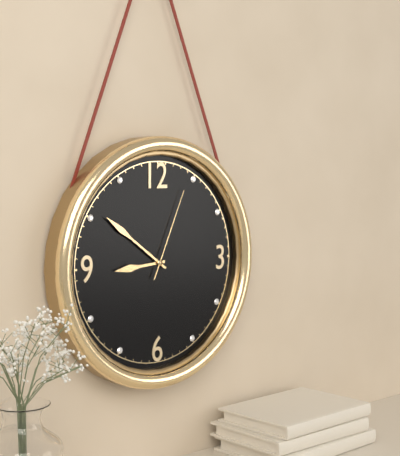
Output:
**8:51:04**
